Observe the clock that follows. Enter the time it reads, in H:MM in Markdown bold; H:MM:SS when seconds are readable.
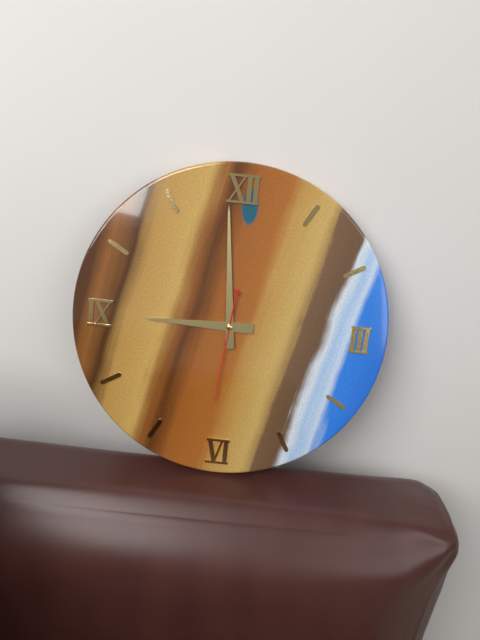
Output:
**8:59:31**
